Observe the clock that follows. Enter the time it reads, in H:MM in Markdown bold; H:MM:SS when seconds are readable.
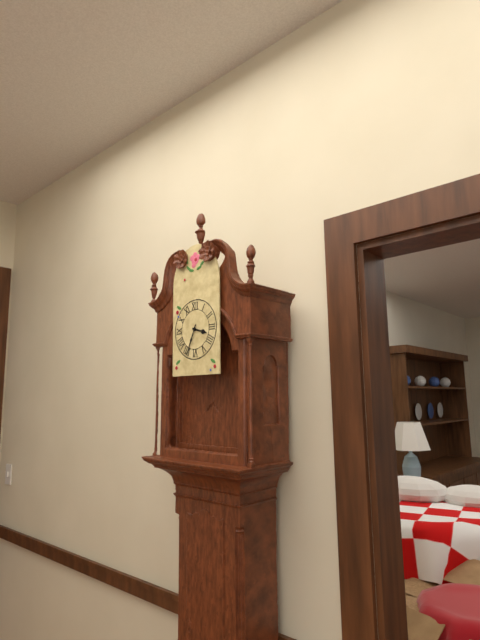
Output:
**3:34**
